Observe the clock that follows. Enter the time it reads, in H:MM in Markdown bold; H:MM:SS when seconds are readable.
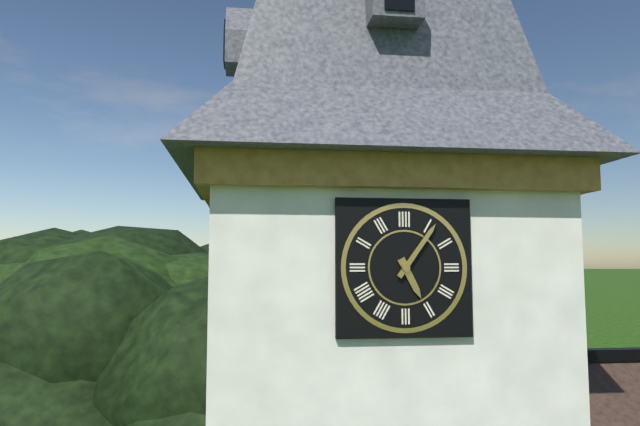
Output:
**5:06**
